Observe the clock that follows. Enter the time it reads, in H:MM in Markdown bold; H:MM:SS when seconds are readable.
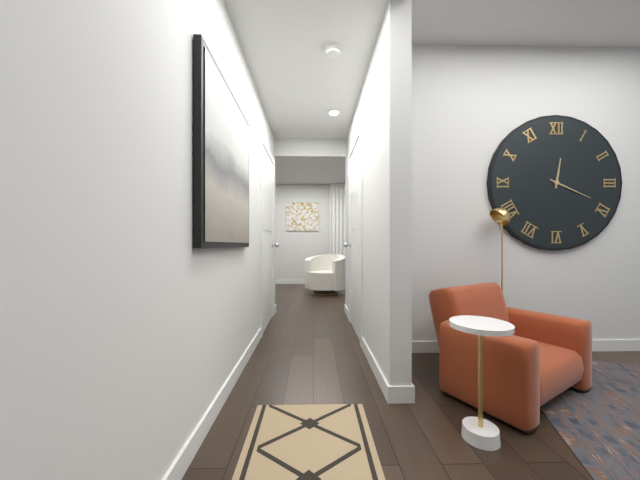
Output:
**12:19**
